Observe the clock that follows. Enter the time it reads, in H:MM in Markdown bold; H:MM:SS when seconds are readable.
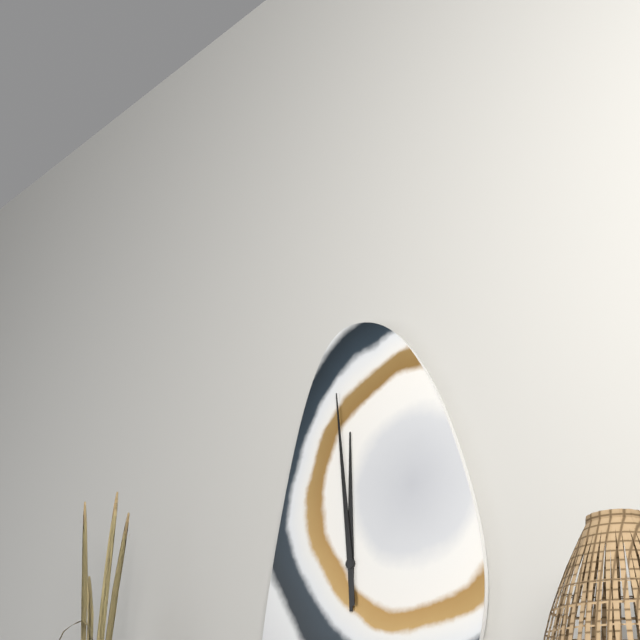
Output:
**11:59**
